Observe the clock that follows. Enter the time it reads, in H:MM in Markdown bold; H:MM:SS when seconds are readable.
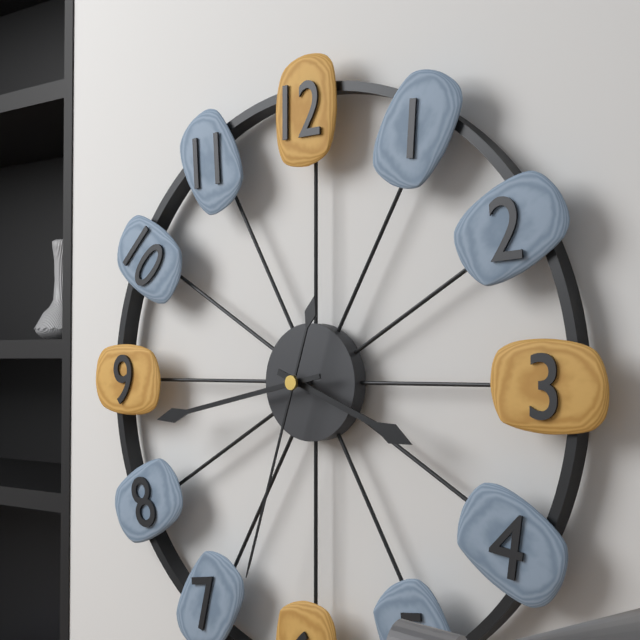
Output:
**3:43:33**
